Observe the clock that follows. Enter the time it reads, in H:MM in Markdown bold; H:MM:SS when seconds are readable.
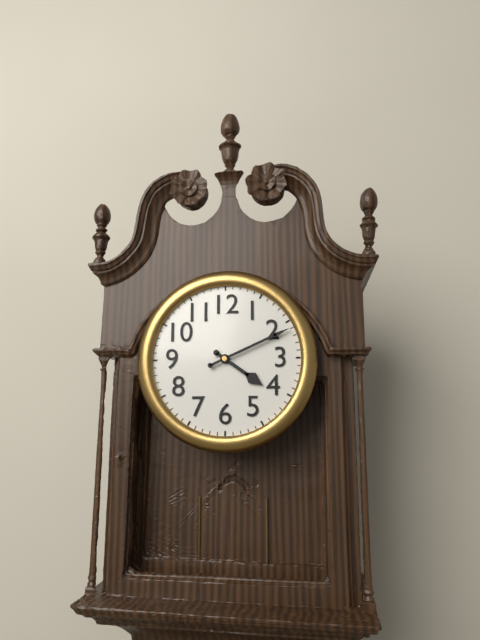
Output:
**4:11**
